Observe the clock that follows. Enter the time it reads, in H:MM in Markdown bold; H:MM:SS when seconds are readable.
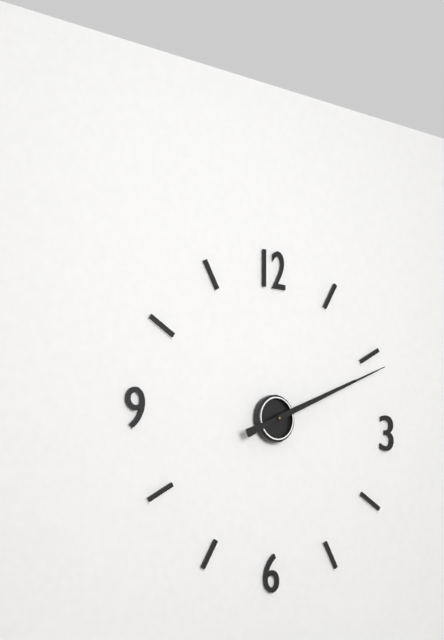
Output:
**2:11**
